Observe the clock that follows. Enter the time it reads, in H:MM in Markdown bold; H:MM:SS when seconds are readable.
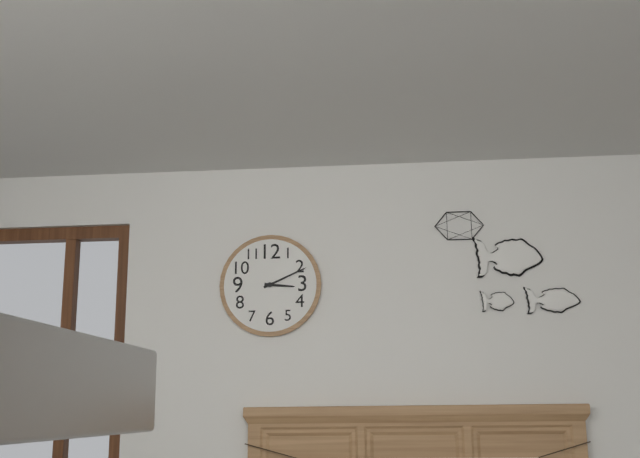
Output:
**3:11**
